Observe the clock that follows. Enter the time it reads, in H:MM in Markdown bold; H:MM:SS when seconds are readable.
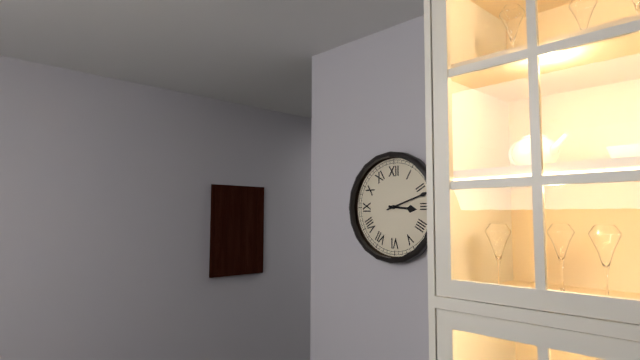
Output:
**3:12**
